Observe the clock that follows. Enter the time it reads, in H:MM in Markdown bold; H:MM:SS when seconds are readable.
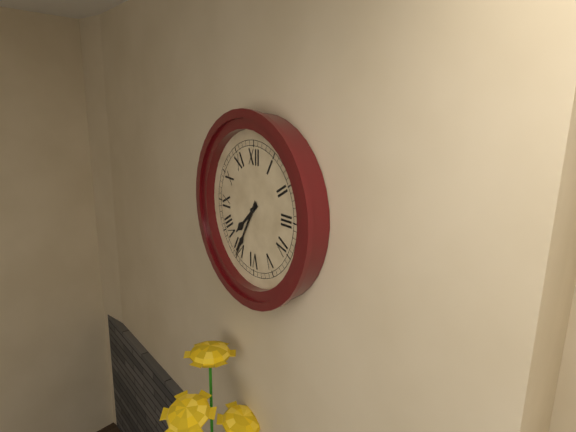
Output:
**7:35**
